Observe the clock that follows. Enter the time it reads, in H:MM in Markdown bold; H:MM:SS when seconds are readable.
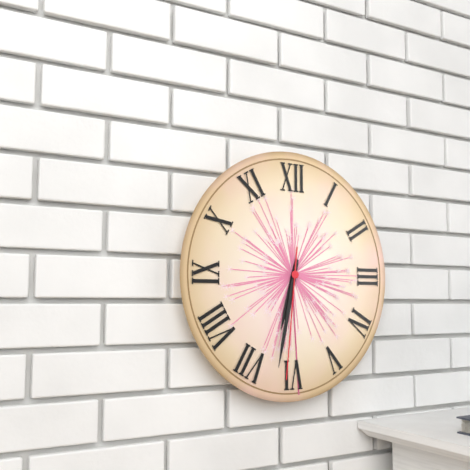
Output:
**6:32:31**
